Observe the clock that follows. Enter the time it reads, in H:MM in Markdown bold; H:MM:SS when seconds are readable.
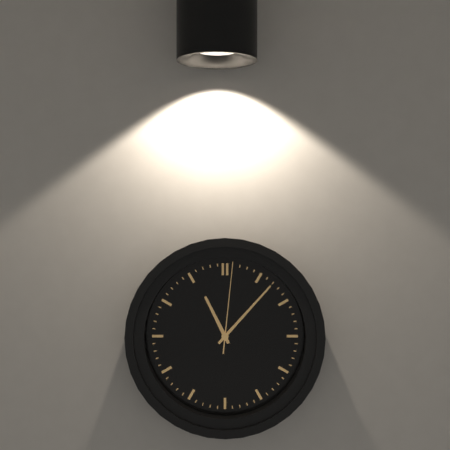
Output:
**11:07:01**
